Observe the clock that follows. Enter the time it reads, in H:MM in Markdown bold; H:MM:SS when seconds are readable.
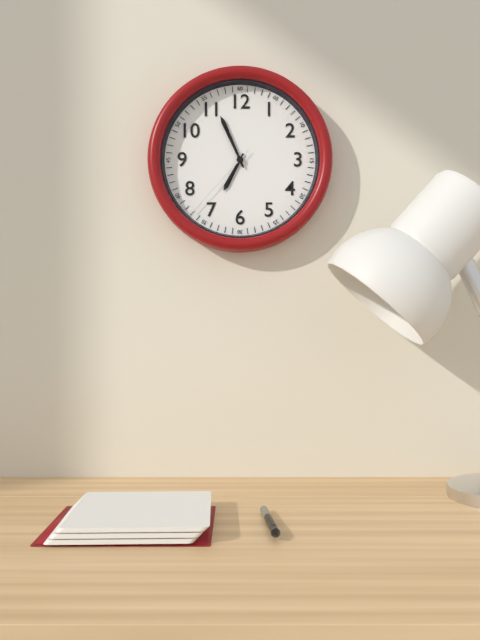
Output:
**6:56:37**
